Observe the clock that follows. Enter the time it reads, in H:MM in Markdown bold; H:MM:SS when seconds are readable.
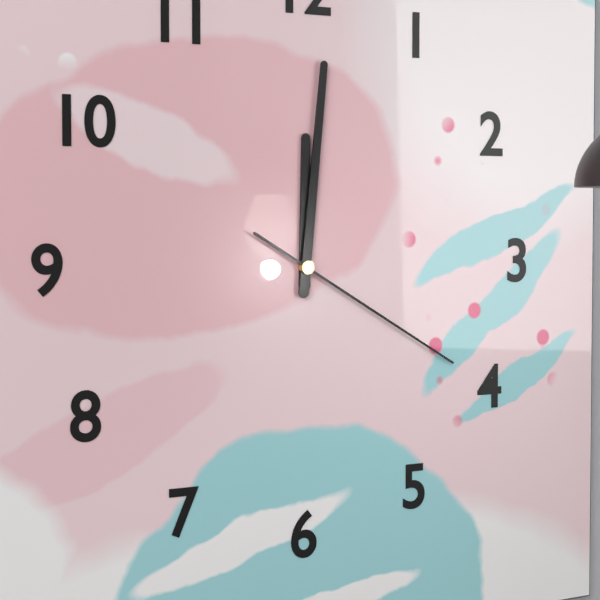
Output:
**12:01:20**
